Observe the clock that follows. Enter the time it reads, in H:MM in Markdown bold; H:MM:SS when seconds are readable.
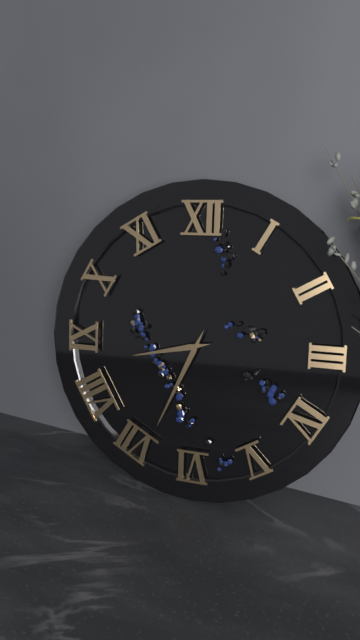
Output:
**8:34**
